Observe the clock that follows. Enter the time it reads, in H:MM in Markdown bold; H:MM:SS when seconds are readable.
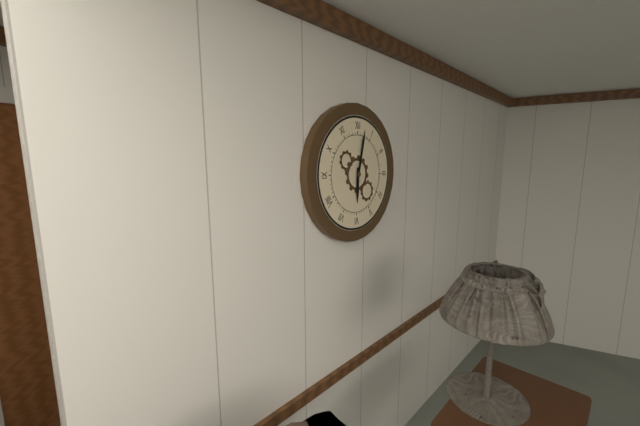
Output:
**6:02**
